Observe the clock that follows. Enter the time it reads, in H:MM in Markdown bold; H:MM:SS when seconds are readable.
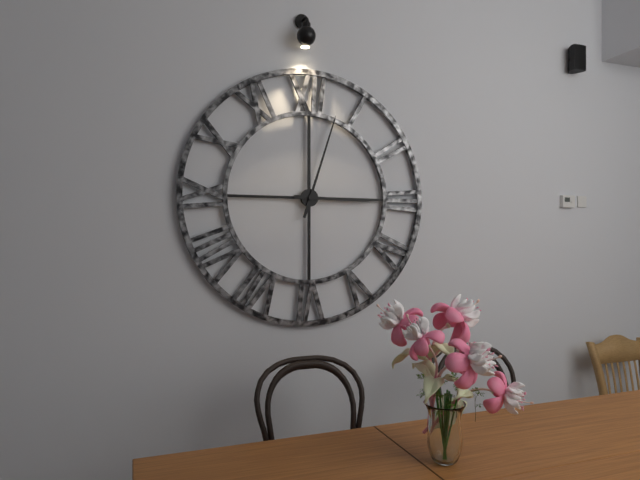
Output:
**3:03**
